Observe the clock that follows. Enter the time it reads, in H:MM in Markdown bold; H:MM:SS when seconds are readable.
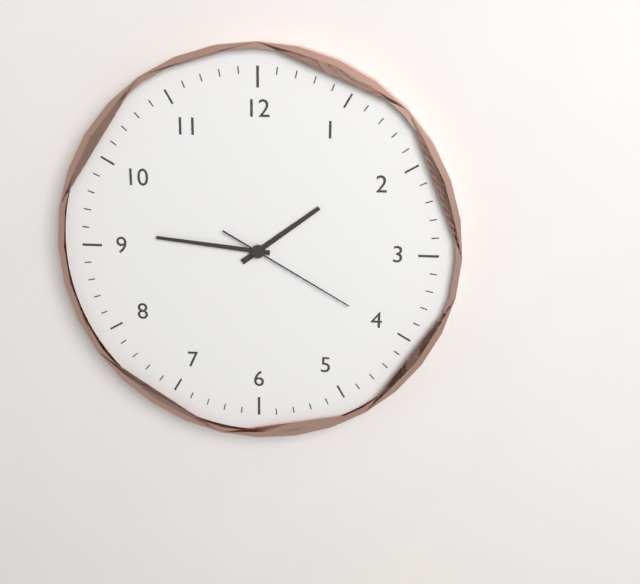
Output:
**1:46:20**
